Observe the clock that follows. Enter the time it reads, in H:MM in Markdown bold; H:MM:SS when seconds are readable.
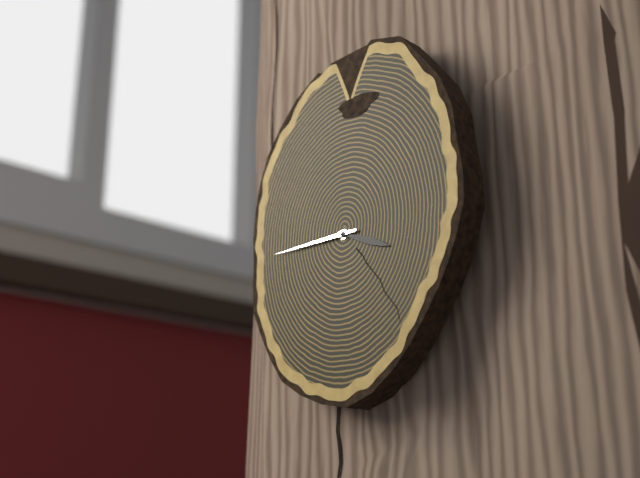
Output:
**3:45**
